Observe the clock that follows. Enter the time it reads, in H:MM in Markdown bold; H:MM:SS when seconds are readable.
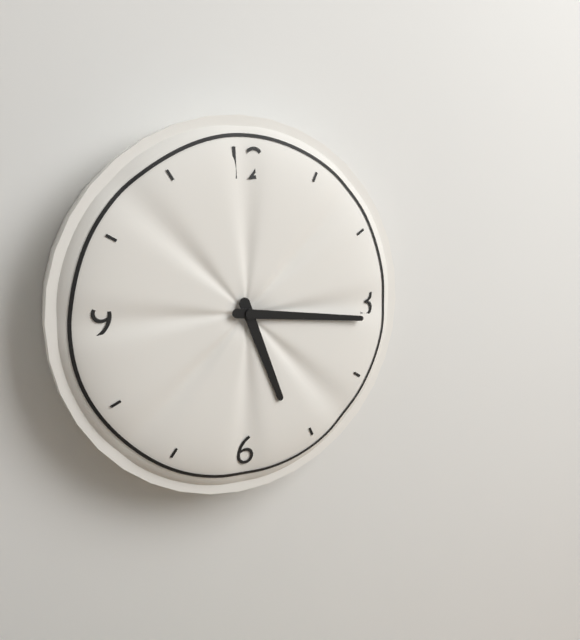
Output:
**5:16**
